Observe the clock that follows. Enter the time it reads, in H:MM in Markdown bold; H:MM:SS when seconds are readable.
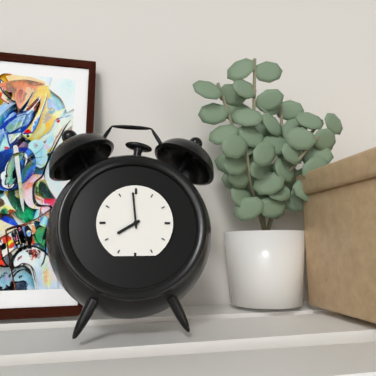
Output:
**7:59**
